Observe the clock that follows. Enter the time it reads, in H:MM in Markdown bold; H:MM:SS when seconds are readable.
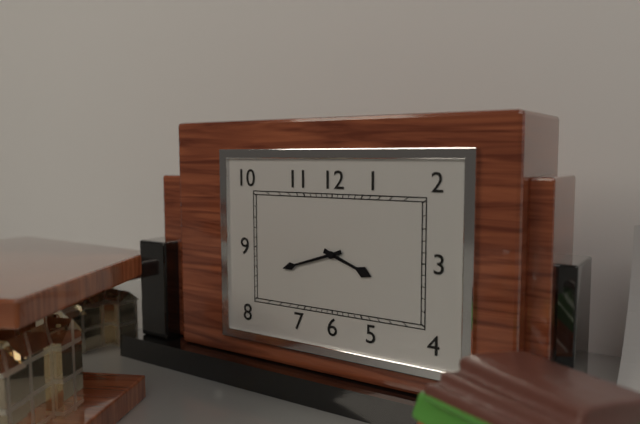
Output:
**3:42**
